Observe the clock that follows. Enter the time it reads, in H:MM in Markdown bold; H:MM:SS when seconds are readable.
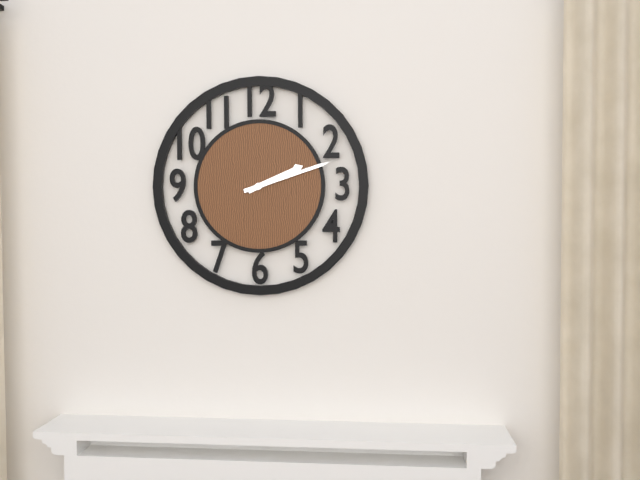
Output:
**2:12**
